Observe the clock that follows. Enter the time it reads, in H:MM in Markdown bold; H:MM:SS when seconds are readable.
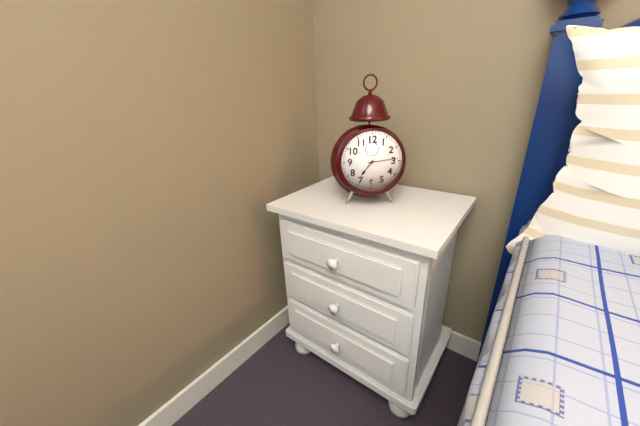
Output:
**7:14**
